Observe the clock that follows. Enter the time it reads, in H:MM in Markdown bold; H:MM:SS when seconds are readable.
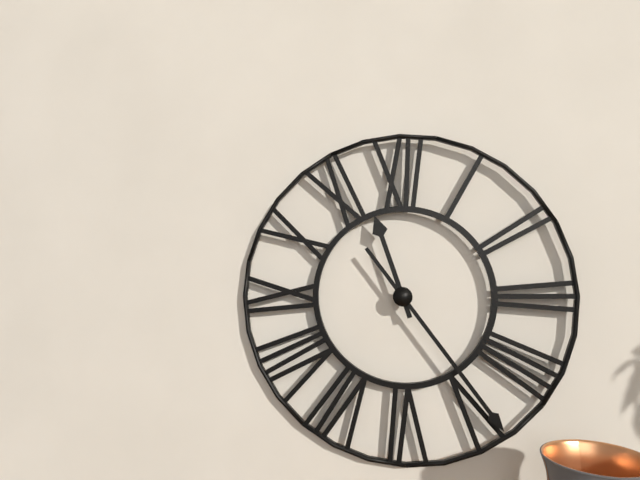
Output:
**11:24**
